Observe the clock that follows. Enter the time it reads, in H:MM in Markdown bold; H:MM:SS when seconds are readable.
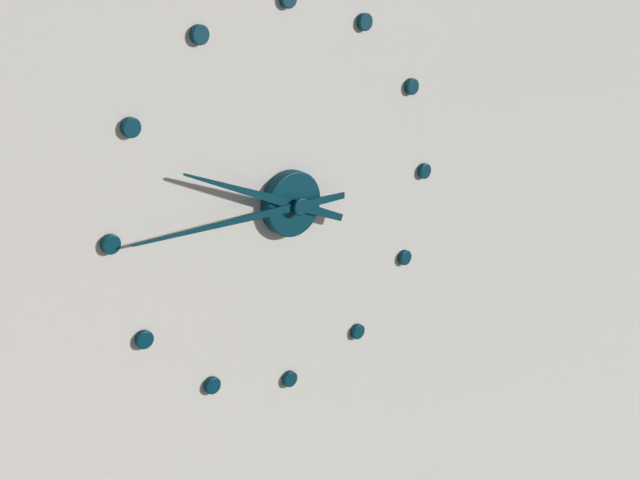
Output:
**9:45**
